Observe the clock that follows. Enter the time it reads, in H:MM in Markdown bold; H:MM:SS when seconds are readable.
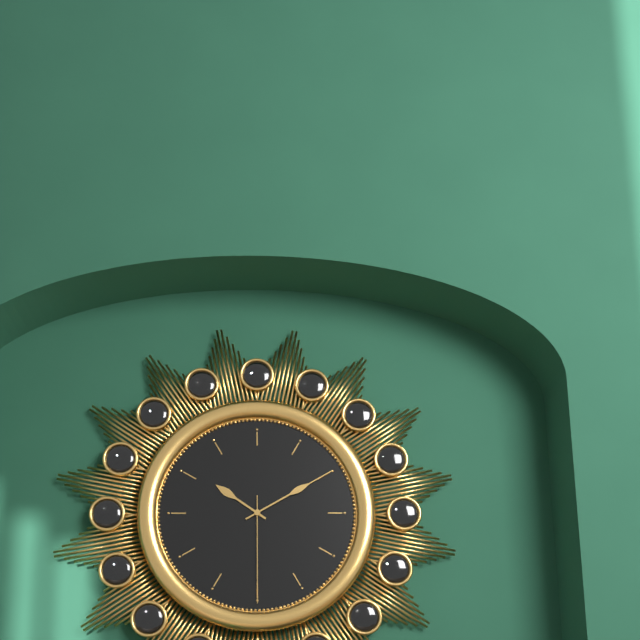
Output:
**10:10:30**
